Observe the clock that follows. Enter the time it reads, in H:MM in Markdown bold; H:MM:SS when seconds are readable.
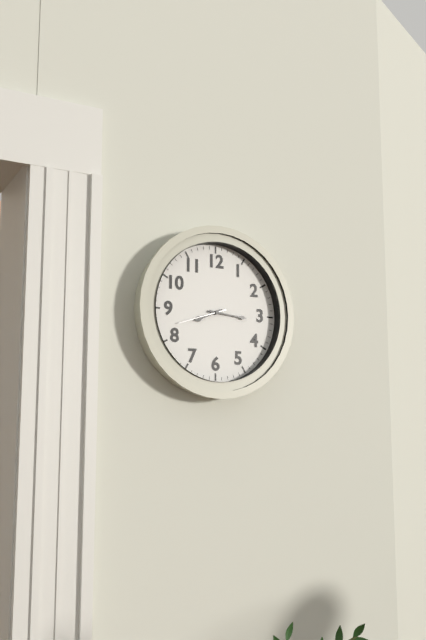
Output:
**8:16**
